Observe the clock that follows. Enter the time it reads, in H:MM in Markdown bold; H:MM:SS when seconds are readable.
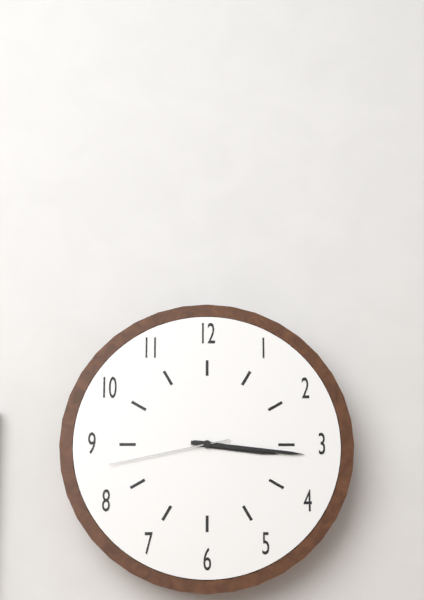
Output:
**3:16:43**
